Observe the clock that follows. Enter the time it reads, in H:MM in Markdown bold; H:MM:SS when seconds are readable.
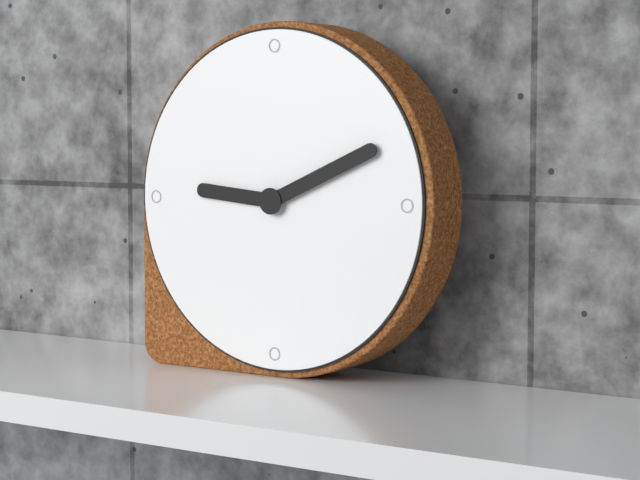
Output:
**9:11**
